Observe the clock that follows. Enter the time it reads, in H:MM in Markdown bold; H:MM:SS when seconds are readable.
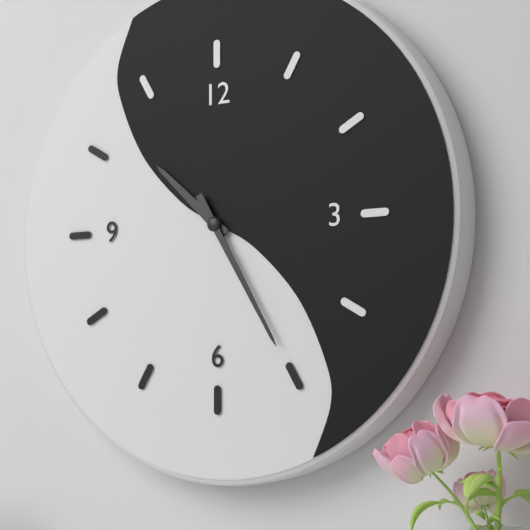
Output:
**10:25**
